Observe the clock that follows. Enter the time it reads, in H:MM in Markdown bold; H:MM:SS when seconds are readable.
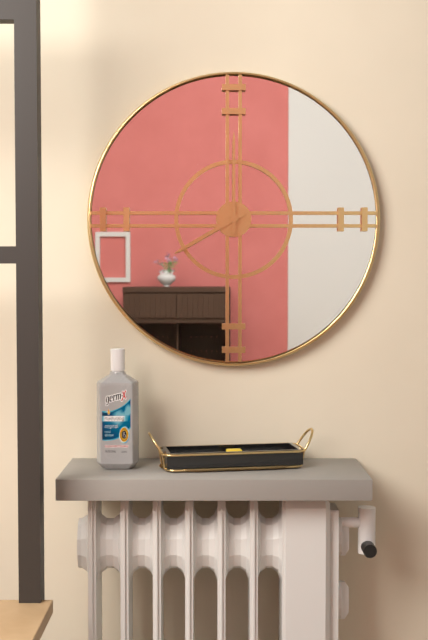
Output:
**8:00**
